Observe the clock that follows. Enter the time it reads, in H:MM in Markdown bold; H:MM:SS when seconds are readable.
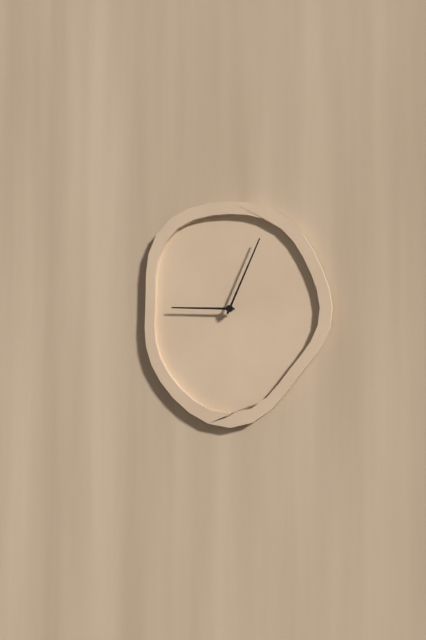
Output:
**9:04**
